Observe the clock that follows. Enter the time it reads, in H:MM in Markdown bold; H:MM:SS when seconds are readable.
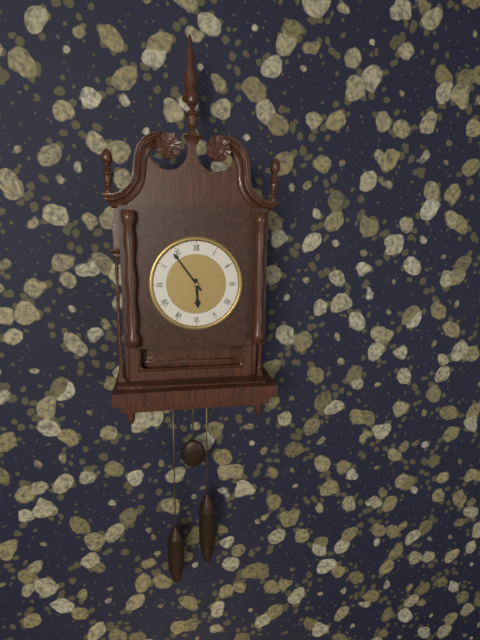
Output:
**5:54**
